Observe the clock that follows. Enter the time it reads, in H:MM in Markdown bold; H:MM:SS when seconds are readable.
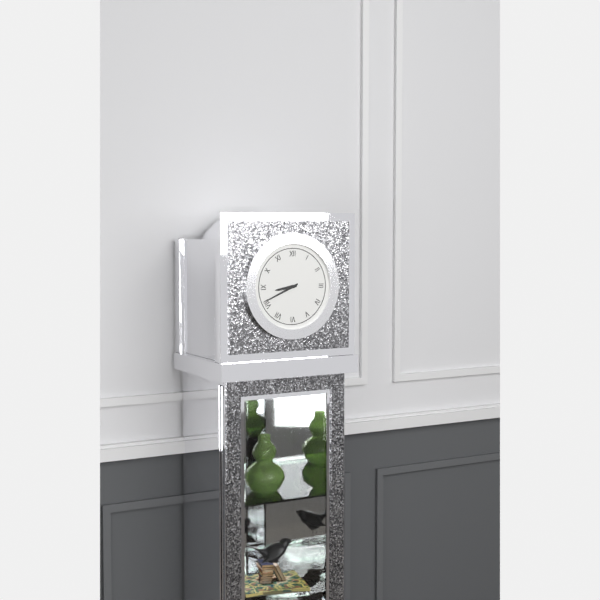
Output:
**8:41**
